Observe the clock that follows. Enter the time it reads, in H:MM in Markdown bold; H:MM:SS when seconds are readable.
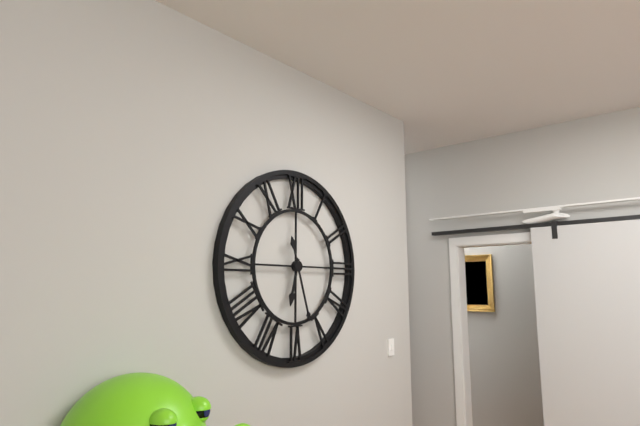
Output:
**6:27**
